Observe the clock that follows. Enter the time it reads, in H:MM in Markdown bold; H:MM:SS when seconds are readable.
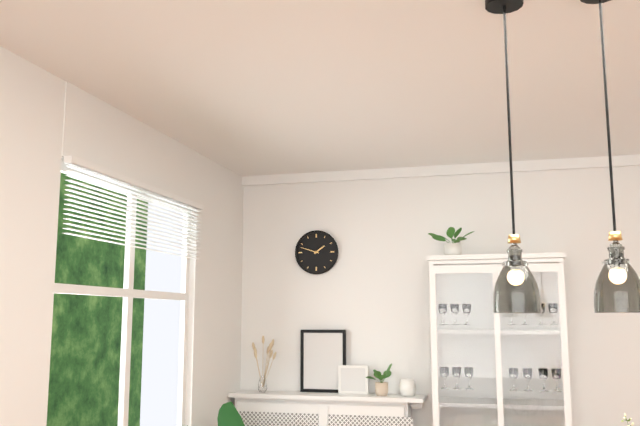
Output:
**1:48**
